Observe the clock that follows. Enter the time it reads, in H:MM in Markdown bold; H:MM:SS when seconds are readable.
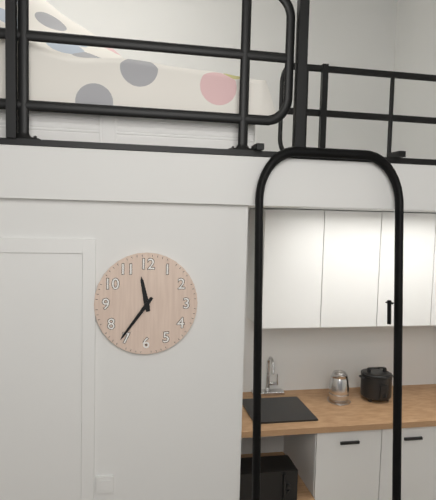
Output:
**11:36**
